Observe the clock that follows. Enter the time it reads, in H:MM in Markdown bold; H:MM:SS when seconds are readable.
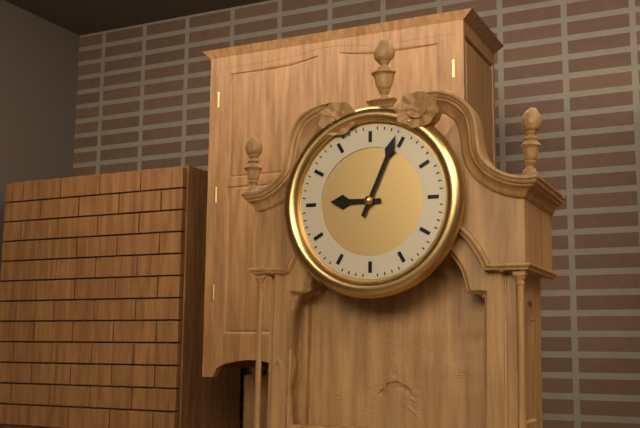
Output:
**9:04**
